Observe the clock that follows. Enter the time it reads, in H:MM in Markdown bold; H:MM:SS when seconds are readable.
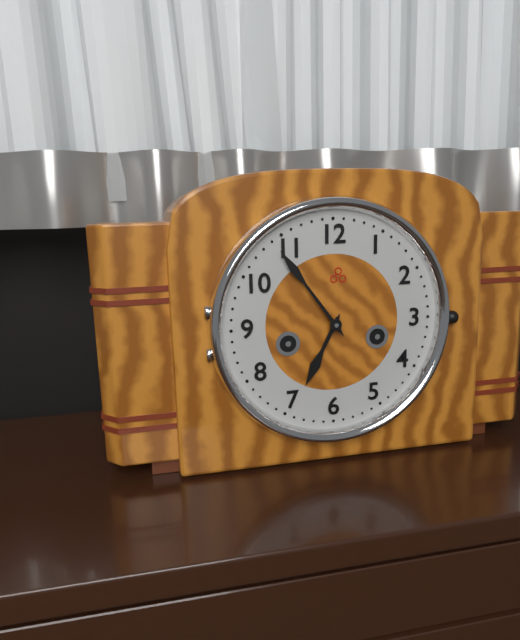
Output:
**6:54**
